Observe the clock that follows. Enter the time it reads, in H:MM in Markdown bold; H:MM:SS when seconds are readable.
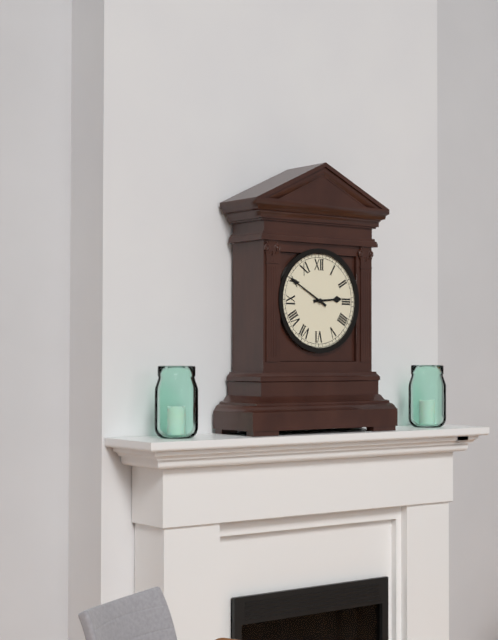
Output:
**2:50**
